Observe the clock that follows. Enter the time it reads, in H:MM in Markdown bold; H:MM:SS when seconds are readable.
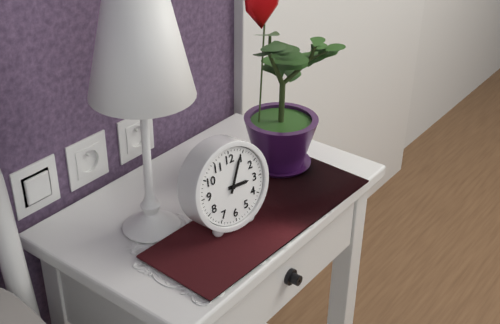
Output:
**3:04**
